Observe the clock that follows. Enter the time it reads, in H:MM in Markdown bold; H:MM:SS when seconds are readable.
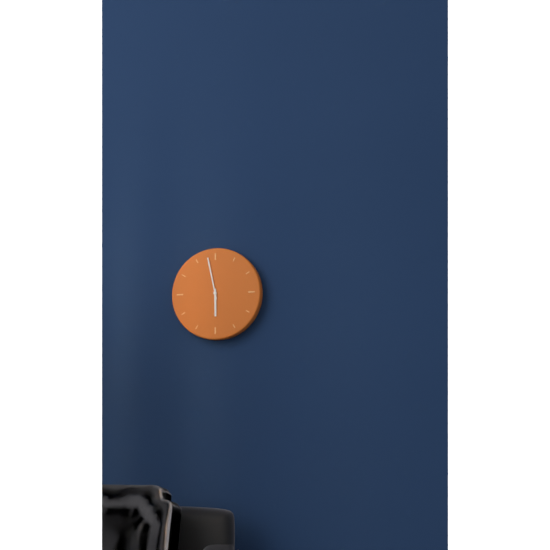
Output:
**5:58**
